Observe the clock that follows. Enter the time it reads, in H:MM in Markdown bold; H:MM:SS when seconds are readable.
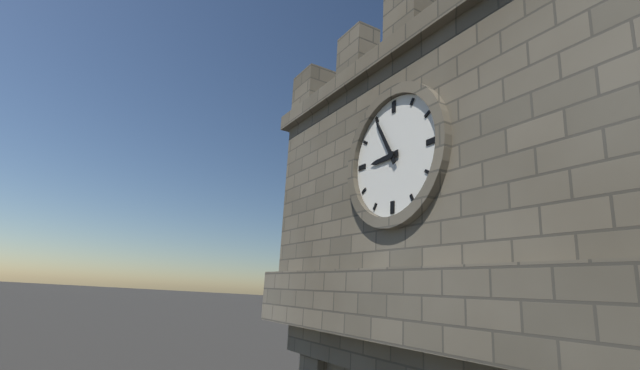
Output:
**8:55**
